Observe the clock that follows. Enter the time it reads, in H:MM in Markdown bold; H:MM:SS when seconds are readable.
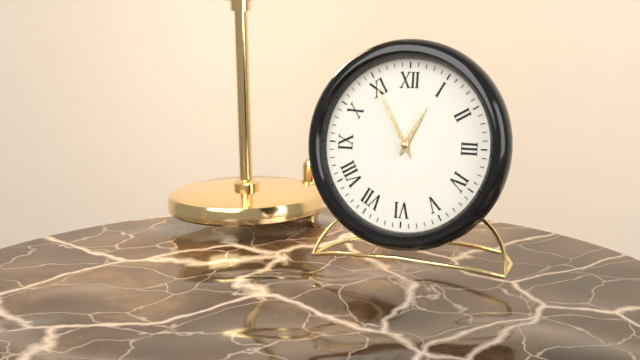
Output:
**12:55**
